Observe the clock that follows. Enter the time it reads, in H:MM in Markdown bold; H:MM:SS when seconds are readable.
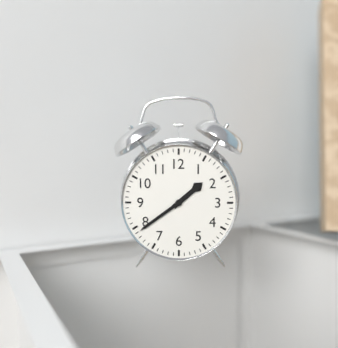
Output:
**1:39**
